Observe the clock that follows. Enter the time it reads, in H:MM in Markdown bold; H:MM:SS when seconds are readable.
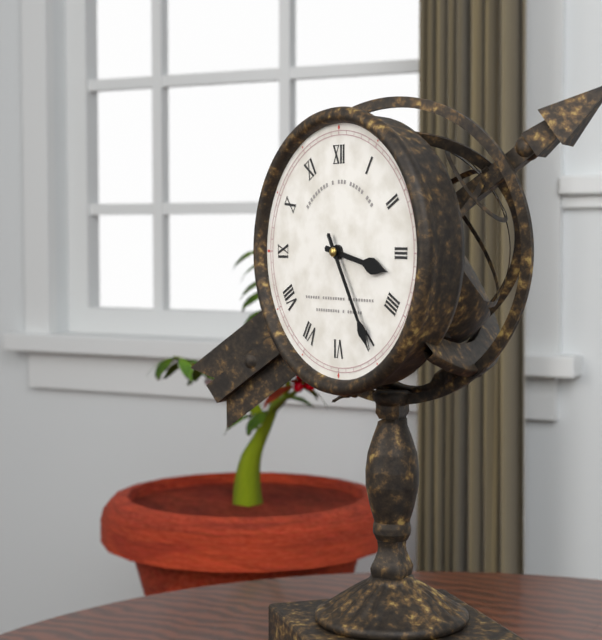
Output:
**3:25**
